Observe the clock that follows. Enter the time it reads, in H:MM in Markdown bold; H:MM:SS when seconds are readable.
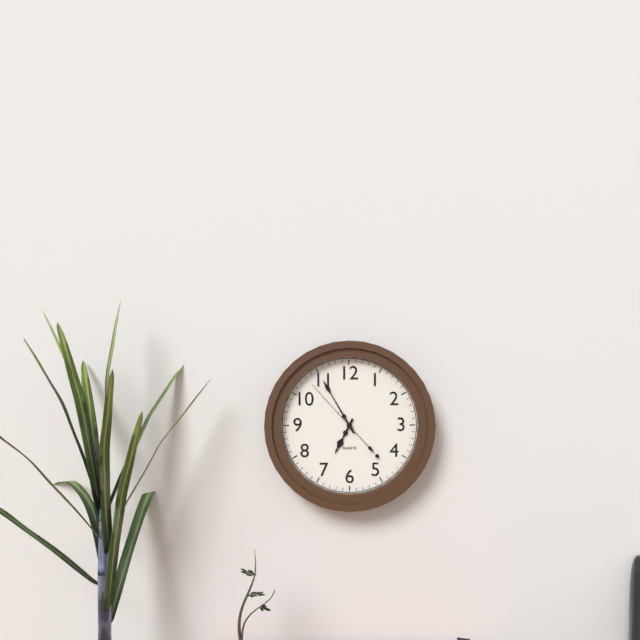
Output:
**6:55:53**
